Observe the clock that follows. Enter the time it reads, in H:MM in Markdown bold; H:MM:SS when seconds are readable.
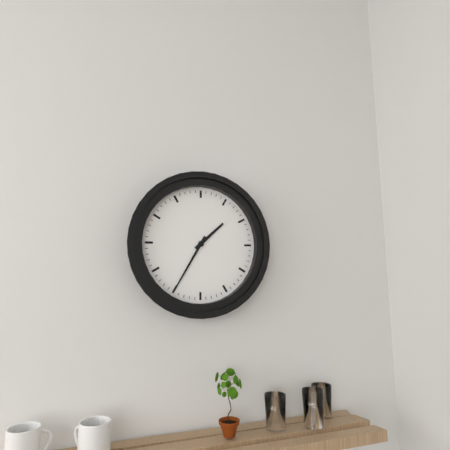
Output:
**1:35**
